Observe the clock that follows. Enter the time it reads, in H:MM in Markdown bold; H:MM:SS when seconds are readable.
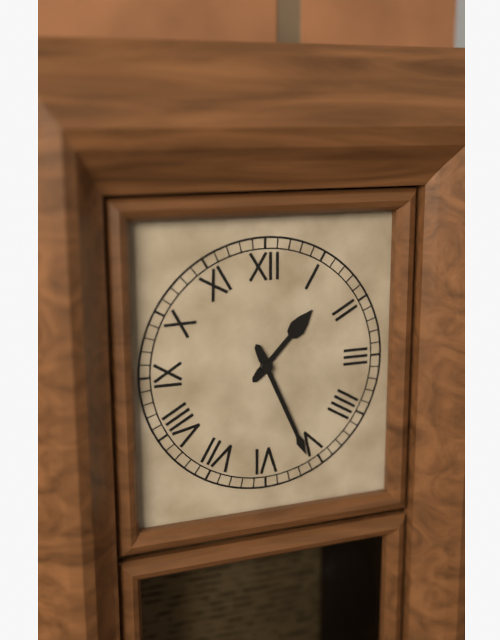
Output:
**1:26**
